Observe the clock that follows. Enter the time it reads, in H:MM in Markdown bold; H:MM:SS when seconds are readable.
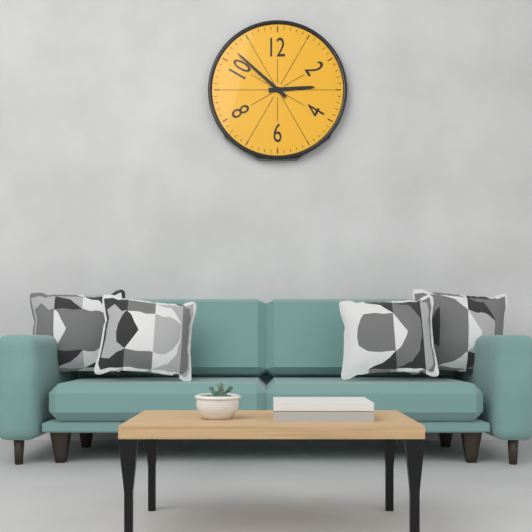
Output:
**2:52**
